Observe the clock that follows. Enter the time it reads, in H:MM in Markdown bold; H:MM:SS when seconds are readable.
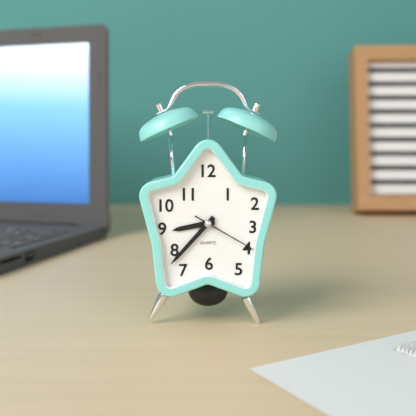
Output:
**8:37:20**
